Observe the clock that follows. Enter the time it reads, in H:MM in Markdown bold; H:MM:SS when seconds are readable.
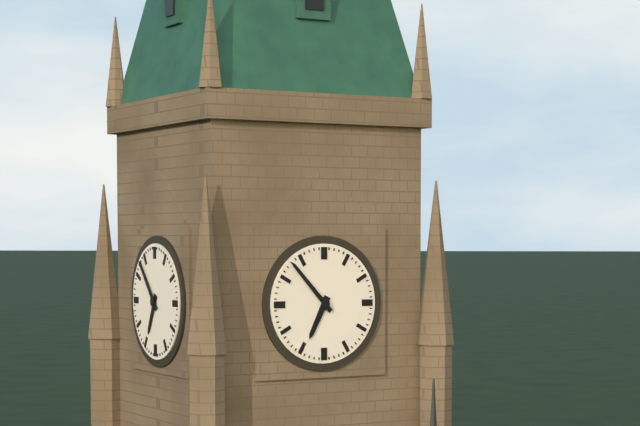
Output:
**6:53**
